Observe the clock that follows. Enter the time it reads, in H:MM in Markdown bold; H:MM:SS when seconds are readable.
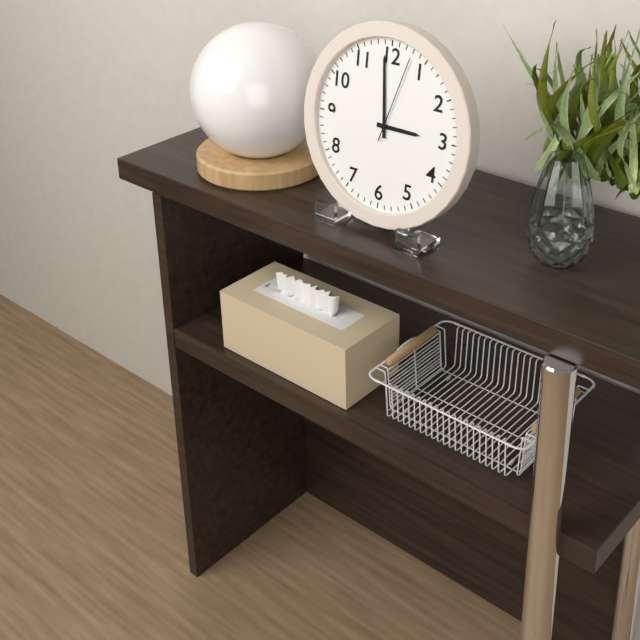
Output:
**2:59:03**
